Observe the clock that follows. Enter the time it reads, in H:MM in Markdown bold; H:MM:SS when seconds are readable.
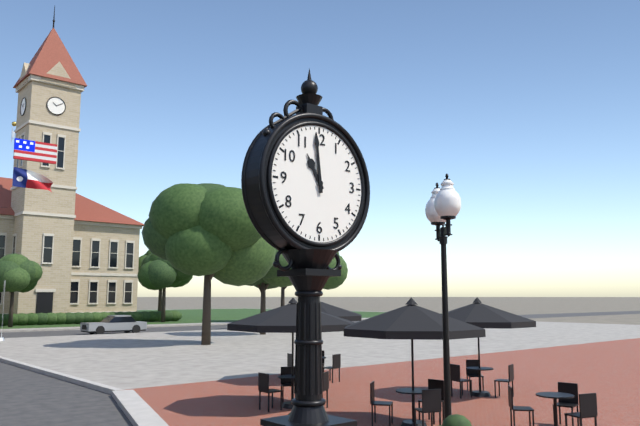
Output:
**10:59**
